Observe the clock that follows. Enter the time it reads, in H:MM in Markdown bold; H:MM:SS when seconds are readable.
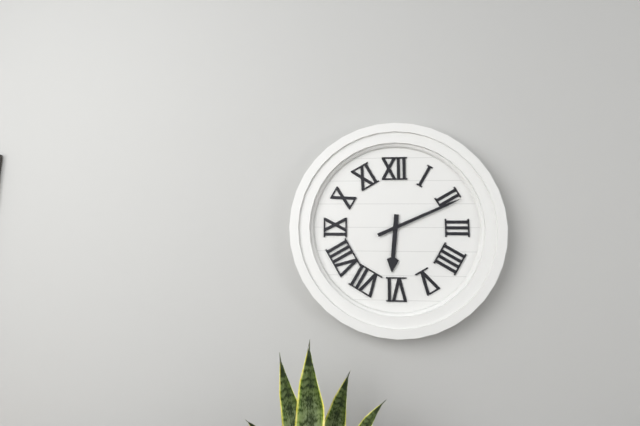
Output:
**6:11**
